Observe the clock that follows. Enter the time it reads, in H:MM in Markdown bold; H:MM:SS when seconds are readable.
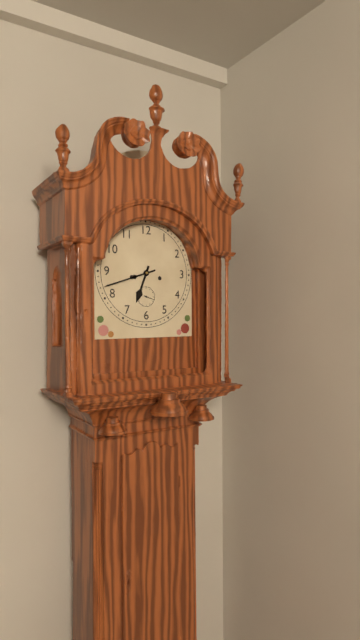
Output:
**6:42**
